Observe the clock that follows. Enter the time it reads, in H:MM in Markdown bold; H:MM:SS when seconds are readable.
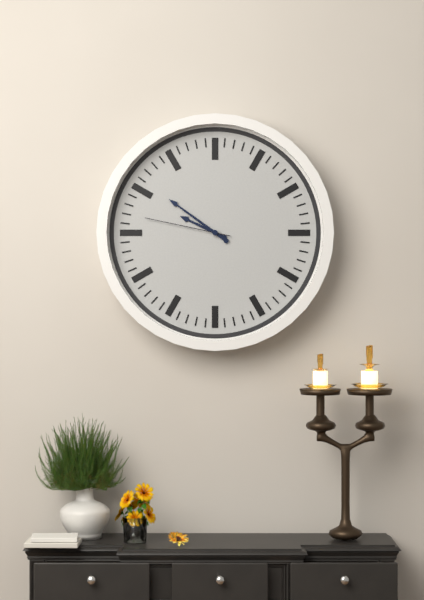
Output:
**9:51:47**
